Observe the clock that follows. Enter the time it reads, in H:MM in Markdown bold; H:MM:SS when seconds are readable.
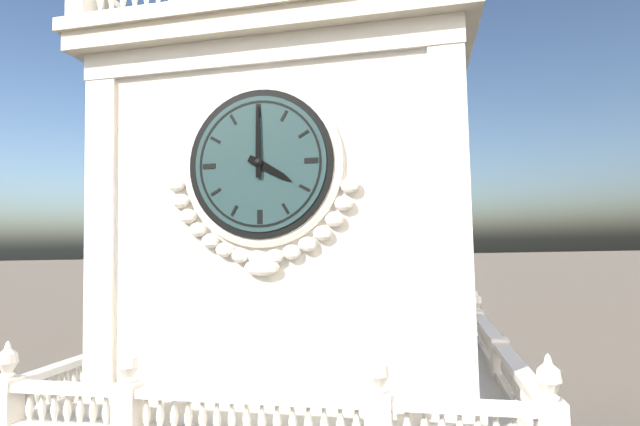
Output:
**4:00**
